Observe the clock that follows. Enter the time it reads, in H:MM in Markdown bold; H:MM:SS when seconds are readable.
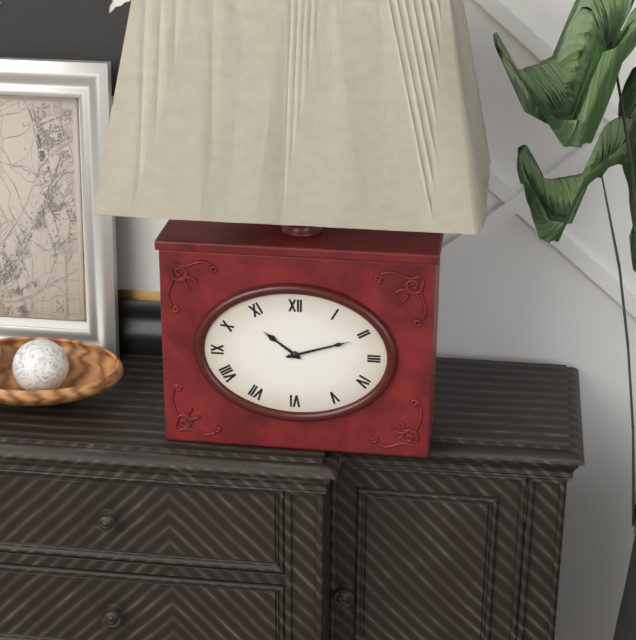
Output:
**10:12**
